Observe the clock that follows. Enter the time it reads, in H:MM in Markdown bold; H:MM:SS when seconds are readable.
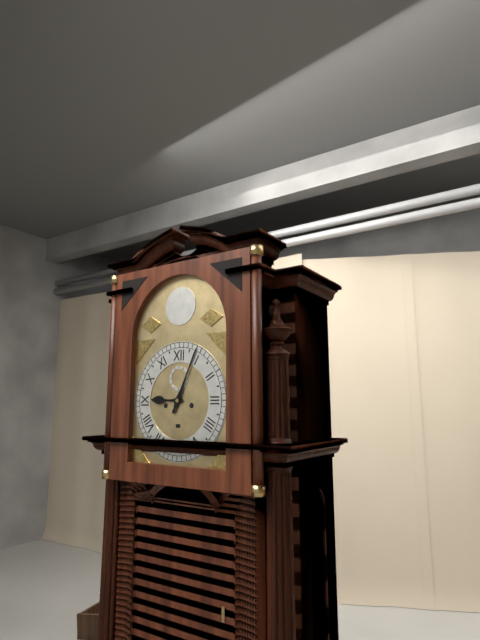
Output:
**9:04**
